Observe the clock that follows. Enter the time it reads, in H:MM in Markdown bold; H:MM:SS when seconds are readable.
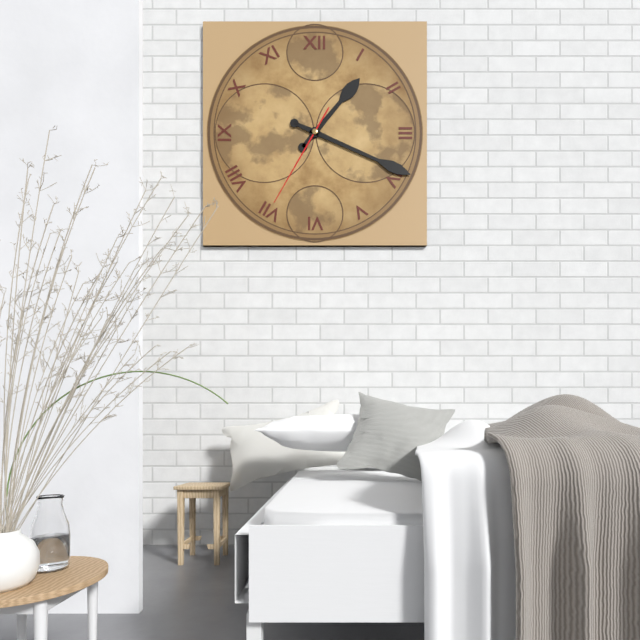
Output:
**1:19:35**
